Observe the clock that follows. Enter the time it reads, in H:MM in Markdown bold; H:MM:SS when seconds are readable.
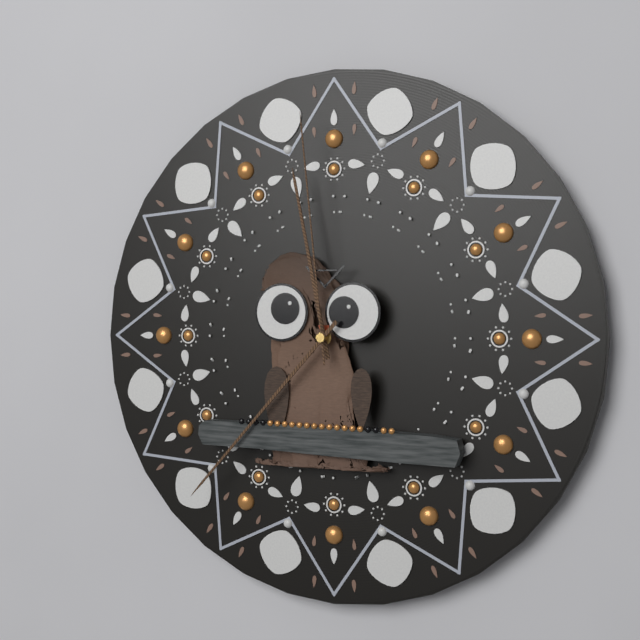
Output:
**11:37:59**
